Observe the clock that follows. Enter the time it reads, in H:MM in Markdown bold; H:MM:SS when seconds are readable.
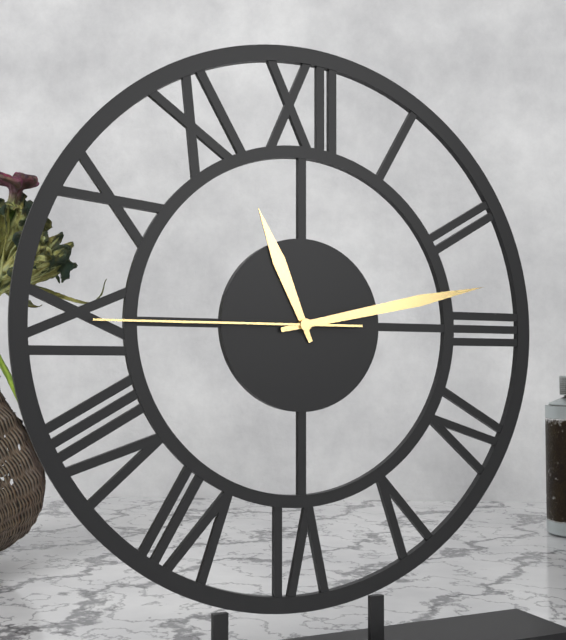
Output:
**11:13:45**
